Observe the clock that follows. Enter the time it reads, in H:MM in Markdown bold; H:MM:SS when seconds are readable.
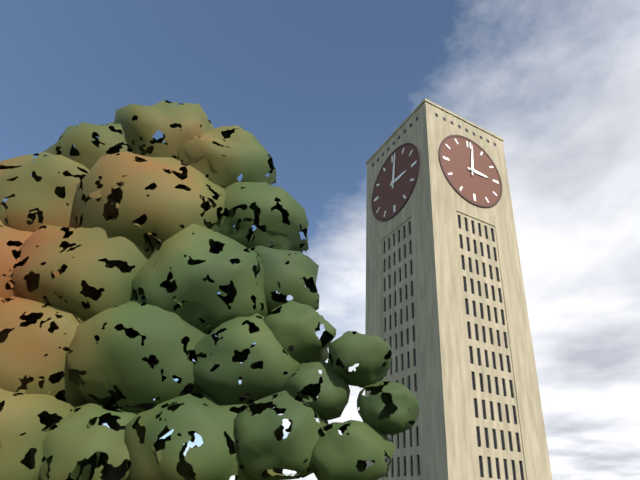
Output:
**3:01**
